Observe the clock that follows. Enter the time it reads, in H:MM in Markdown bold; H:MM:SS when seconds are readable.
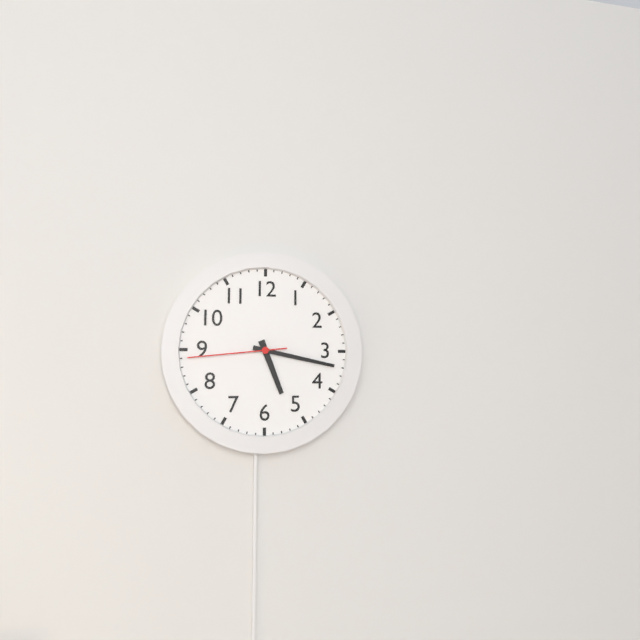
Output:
**5:17:44**
